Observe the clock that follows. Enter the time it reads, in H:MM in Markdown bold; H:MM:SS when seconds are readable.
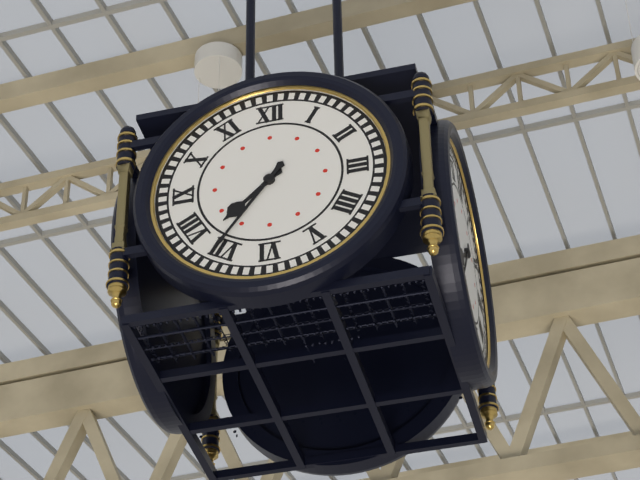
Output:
**7:36**
